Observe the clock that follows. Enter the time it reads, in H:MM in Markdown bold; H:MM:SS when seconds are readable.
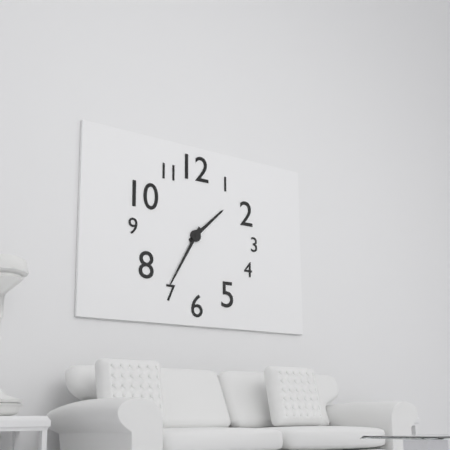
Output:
**1:35**
